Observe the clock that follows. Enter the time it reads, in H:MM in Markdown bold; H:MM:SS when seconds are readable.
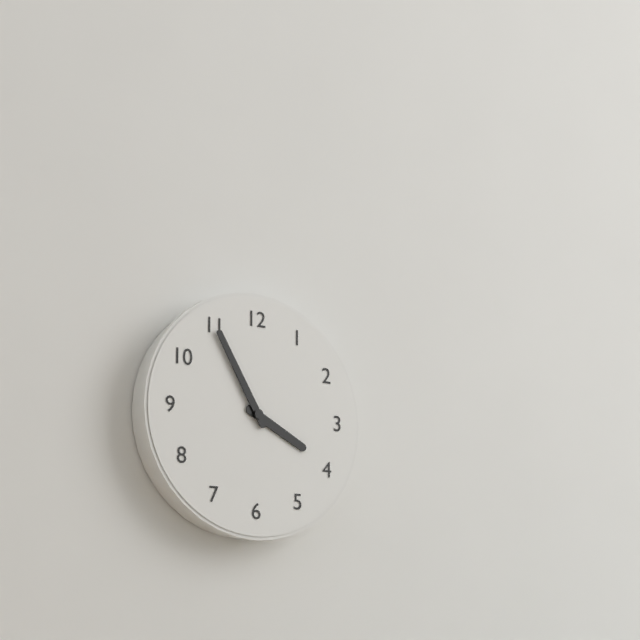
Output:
**3:55**
